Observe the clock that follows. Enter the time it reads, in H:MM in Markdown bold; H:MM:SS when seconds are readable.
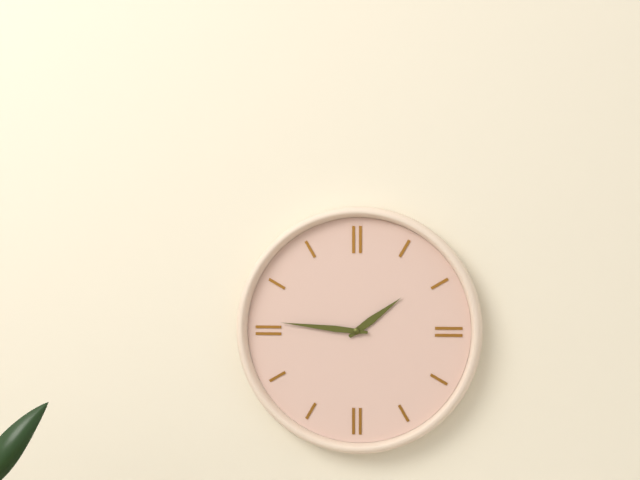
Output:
**1:46**
